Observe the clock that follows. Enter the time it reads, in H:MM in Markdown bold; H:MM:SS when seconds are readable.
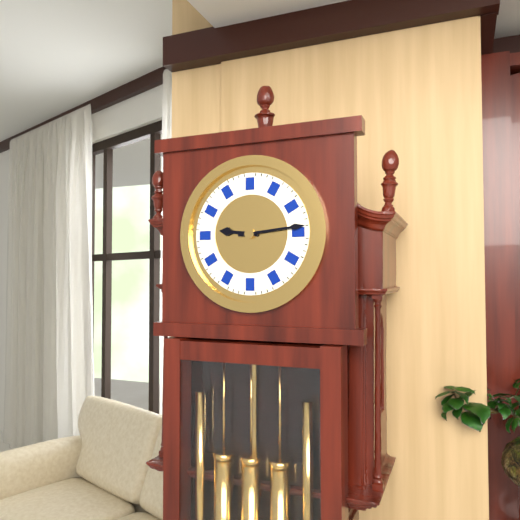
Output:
**9:14**
